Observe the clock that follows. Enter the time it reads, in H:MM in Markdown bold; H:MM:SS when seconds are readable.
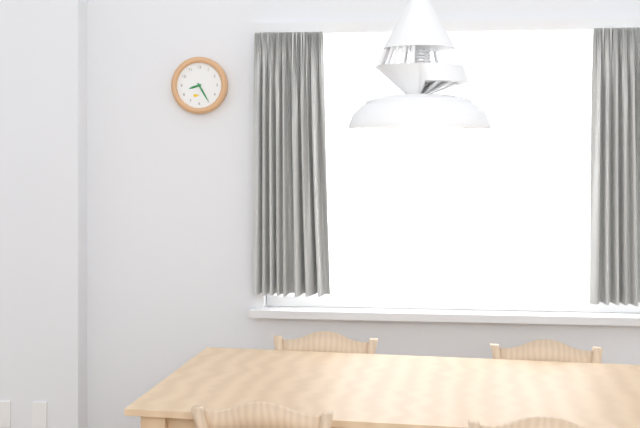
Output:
**8:25**
